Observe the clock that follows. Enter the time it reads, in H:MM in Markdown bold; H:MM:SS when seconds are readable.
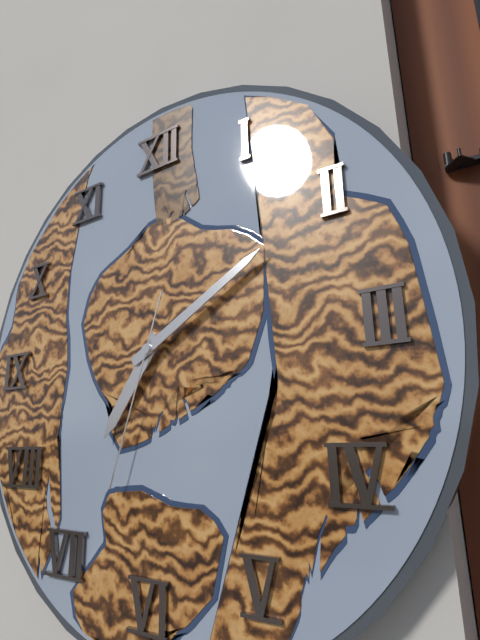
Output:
**7:10:33**
